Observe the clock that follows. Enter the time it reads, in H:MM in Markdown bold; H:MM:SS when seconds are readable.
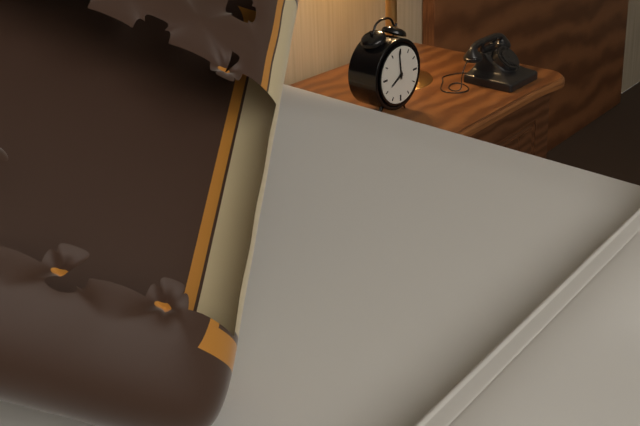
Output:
**7:59**
